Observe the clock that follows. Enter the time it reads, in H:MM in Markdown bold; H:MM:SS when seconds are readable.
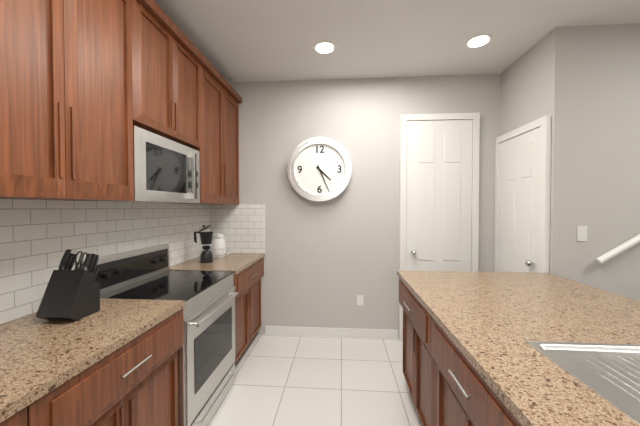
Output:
**4:26**
